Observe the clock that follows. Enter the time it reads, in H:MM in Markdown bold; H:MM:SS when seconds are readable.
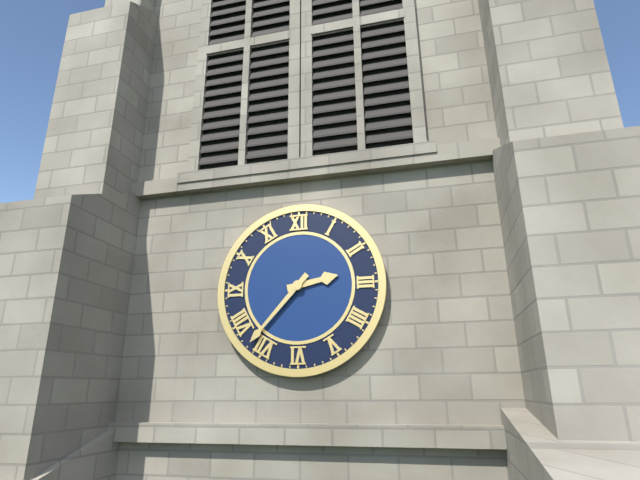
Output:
**2:37**
